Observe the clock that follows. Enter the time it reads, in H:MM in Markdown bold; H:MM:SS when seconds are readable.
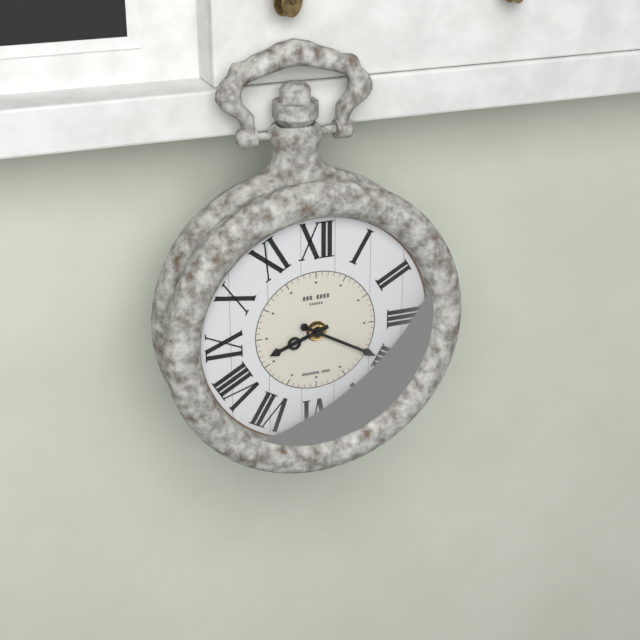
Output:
**8:20**
